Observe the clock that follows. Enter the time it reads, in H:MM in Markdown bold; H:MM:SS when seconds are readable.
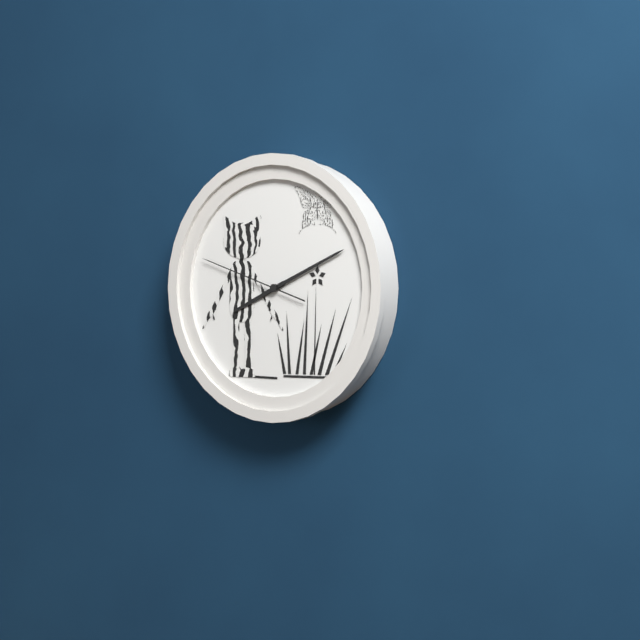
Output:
**8:11:48**
